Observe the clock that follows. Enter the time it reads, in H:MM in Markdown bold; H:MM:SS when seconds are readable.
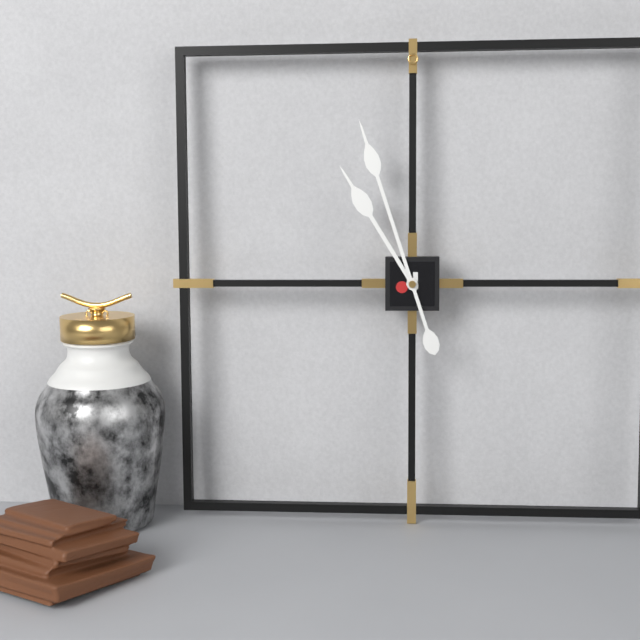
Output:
**10:57**
